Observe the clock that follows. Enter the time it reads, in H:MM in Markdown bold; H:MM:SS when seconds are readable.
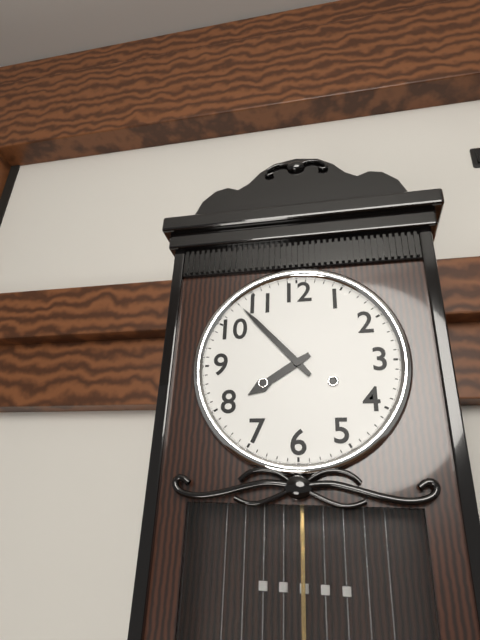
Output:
**7:53**
